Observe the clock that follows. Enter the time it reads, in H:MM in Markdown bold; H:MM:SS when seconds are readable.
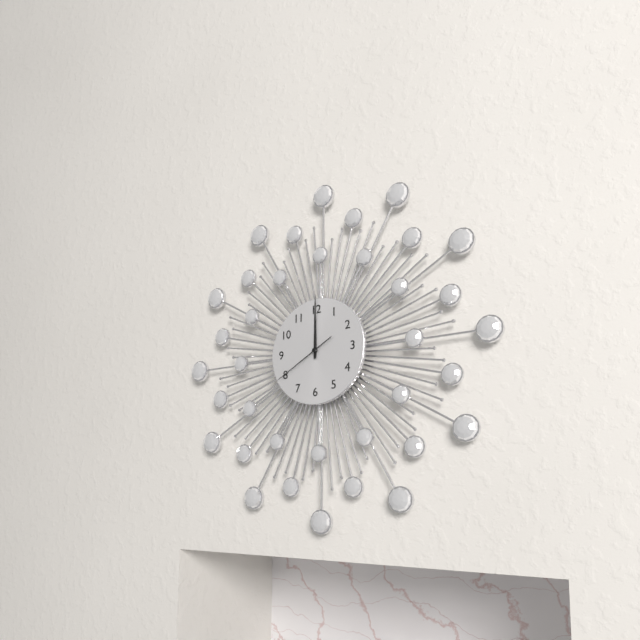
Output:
**12:00:40**
